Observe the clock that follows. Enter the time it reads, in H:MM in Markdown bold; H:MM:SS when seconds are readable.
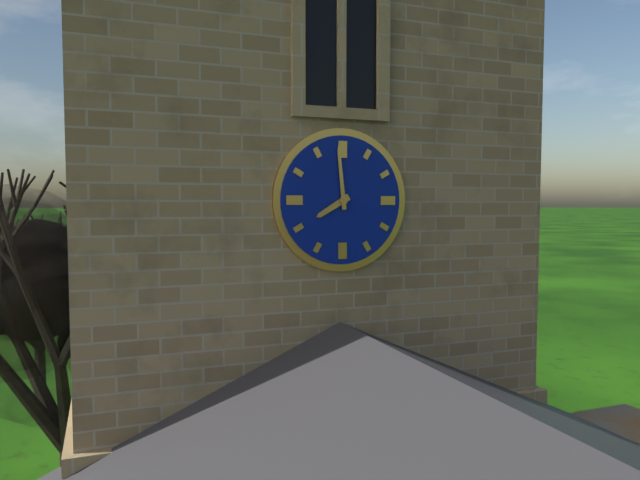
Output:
**7:59**
